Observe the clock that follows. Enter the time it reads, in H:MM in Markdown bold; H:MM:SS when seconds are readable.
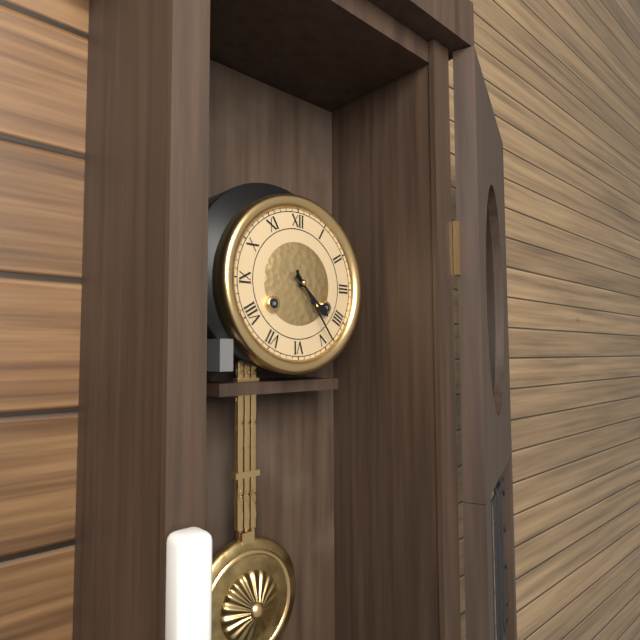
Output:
**4:24**
